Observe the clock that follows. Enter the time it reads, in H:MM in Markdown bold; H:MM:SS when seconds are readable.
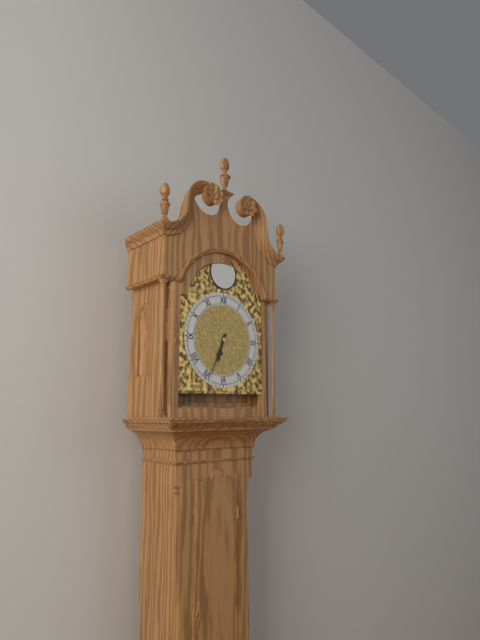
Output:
**6:34**
